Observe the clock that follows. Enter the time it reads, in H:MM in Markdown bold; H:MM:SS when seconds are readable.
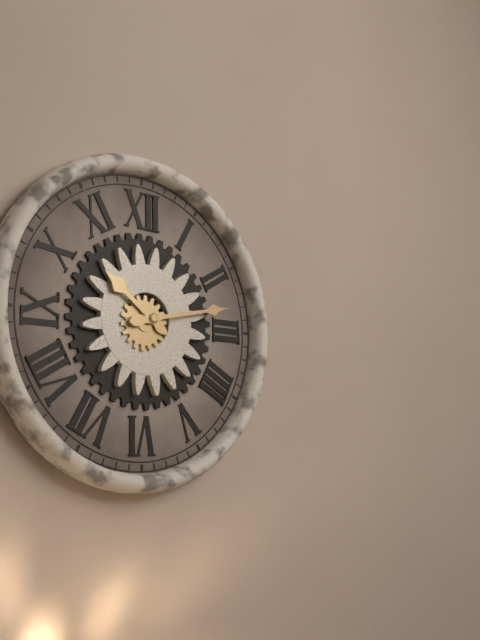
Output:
**10:13**
